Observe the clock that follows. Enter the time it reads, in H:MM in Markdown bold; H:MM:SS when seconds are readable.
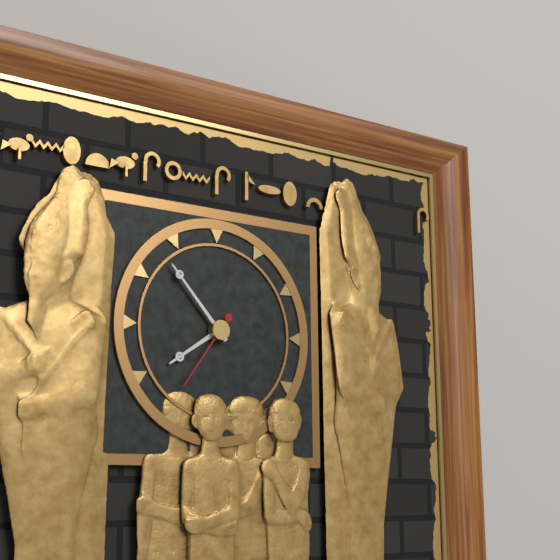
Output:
**7:53:36**
